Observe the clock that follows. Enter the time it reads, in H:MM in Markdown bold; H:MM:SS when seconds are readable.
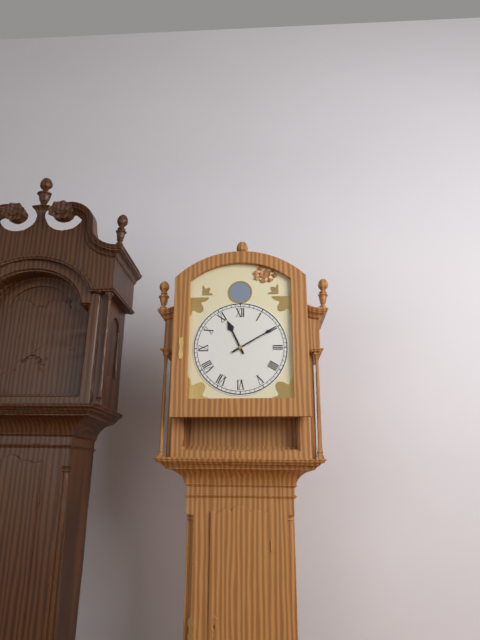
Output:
**11:10**
